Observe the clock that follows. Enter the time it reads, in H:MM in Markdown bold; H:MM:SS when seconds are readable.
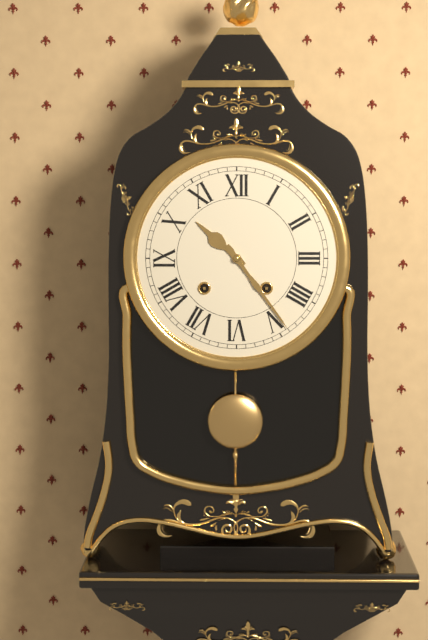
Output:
**10:24**
